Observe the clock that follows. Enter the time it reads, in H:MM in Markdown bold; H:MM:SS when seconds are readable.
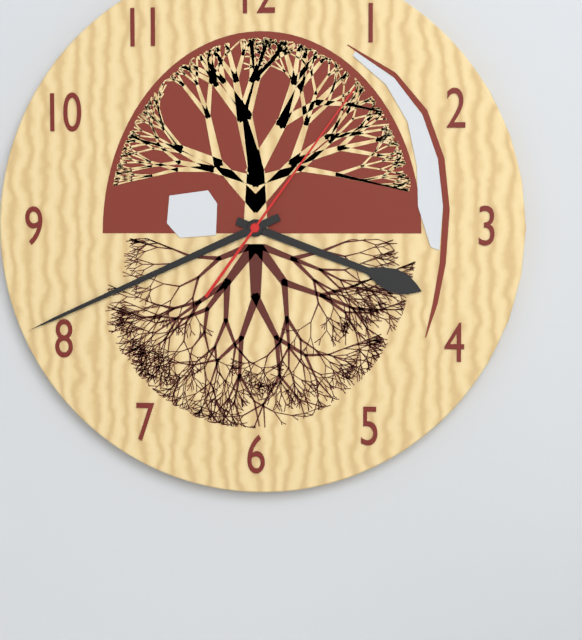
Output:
**3:41:06**
